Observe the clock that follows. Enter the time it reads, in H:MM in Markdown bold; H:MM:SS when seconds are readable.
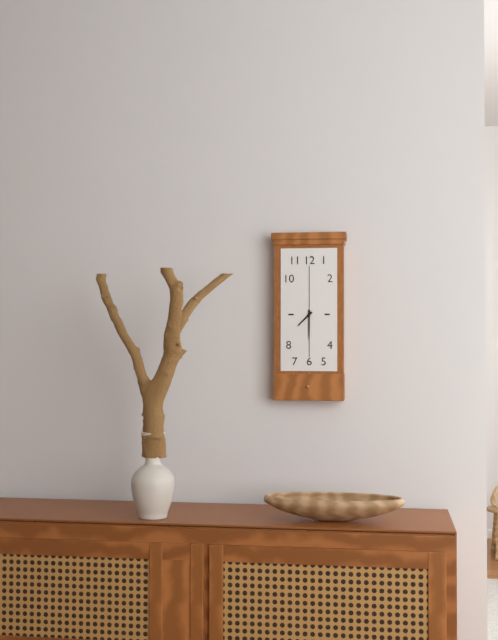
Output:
**7:30**
